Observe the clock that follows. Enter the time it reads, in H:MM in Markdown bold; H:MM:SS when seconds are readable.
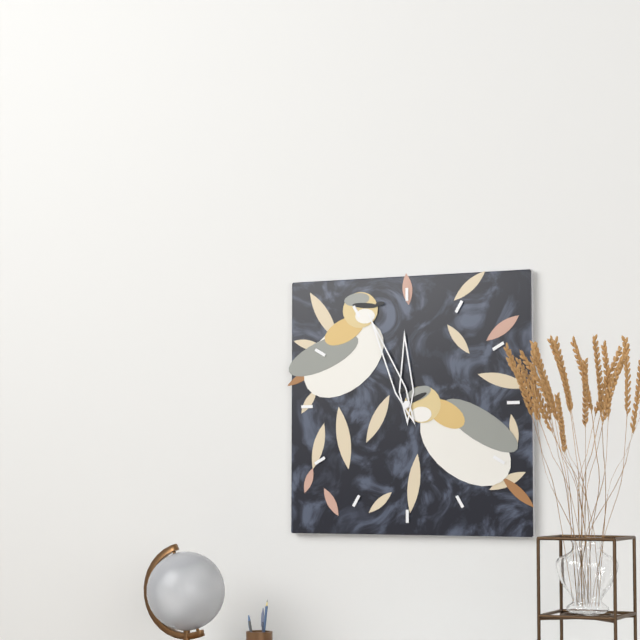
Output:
**11:56**
